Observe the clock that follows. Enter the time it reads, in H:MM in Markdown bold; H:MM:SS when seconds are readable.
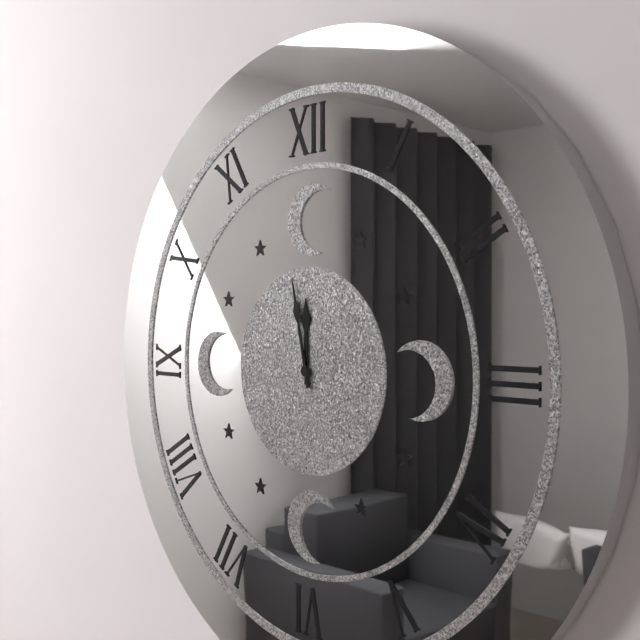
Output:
**11:58**
